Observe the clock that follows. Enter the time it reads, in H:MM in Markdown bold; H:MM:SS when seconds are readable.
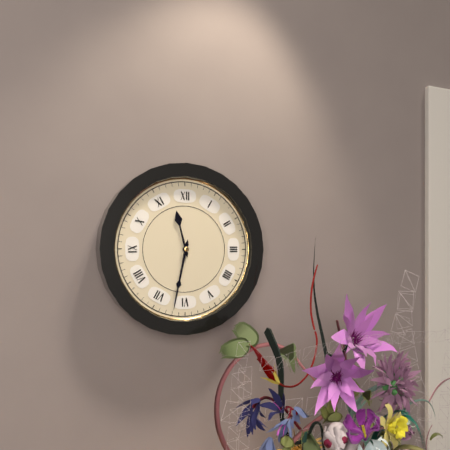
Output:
**11:32**
